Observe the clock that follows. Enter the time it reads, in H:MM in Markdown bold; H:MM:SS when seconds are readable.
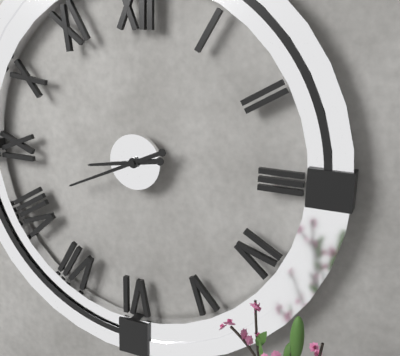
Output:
**8:41**
